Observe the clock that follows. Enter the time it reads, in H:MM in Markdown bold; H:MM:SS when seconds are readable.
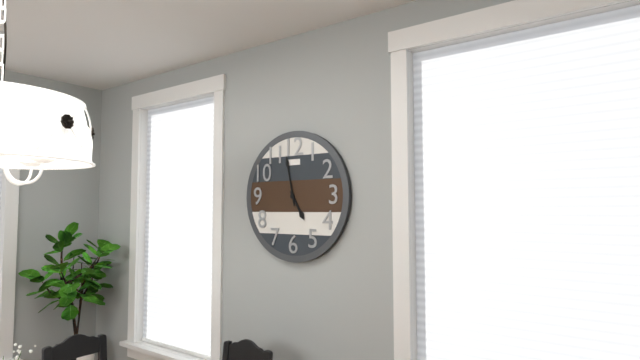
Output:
**4:58**
